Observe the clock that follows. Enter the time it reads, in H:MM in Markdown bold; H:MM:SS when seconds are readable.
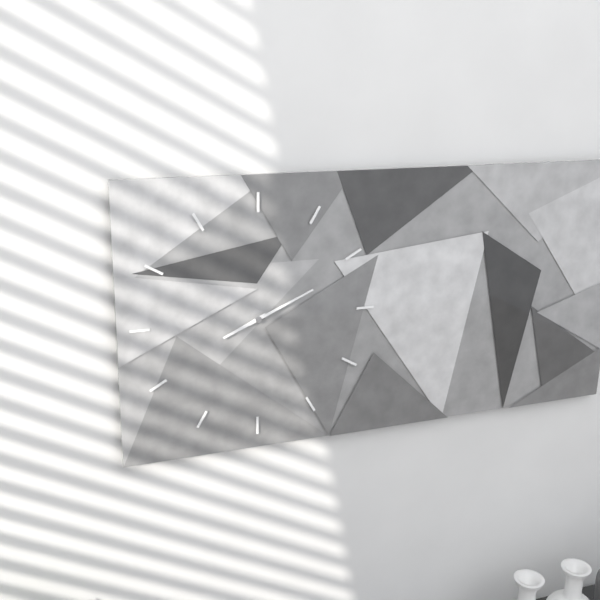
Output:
**8:11**
